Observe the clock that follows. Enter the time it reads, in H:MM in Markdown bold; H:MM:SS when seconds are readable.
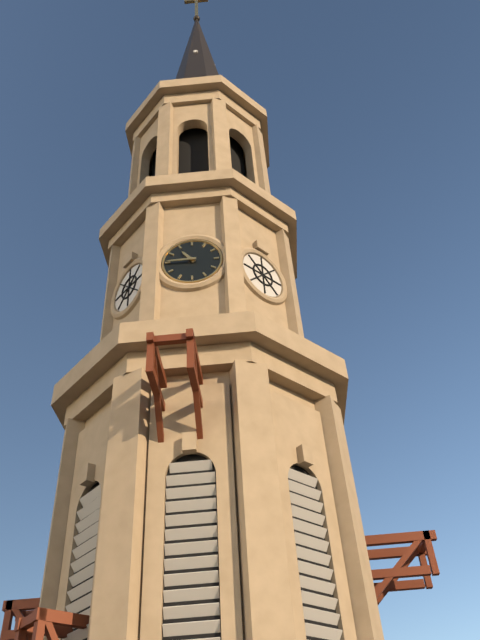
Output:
**10:45**
